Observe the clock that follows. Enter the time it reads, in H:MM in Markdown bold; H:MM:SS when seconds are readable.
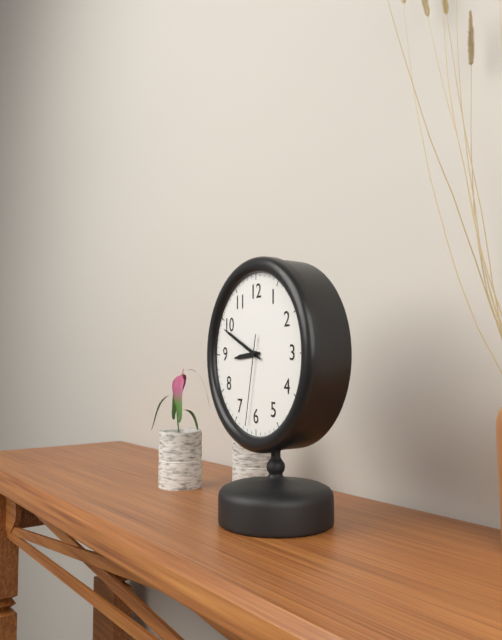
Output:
**8:49:32**
